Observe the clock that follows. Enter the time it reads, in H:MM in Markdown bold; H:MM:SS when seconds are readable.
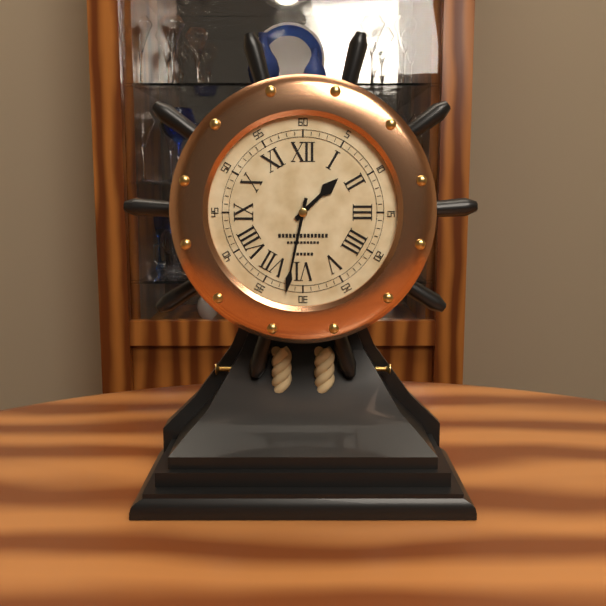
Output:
**1:32**
